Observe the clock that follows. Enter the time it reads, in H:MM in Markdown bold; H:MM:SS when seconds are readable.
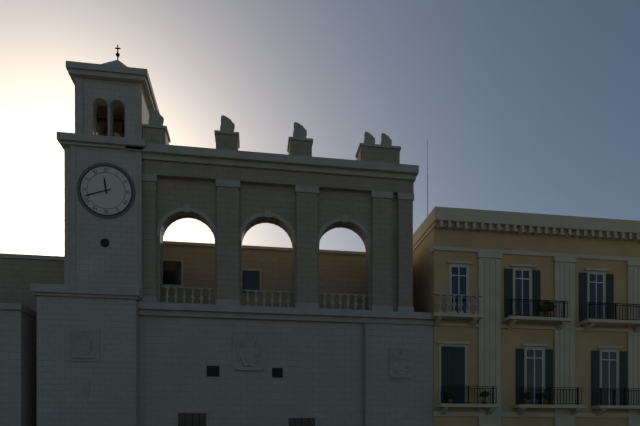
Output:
**11:42**
